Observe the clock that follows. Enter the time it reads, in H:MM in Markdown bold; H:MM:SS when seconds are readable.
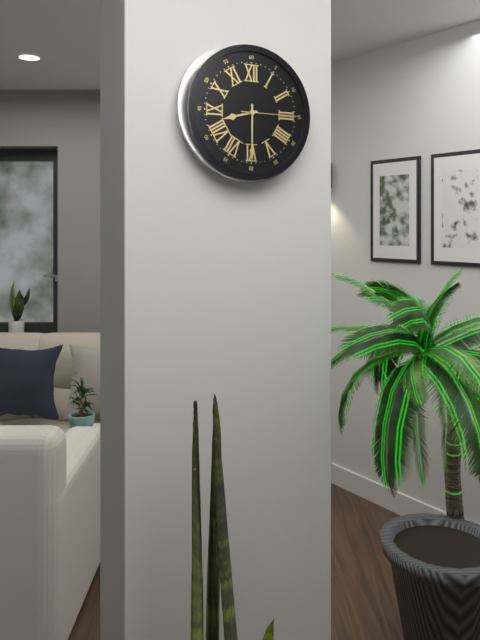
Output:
**8:30:15**
